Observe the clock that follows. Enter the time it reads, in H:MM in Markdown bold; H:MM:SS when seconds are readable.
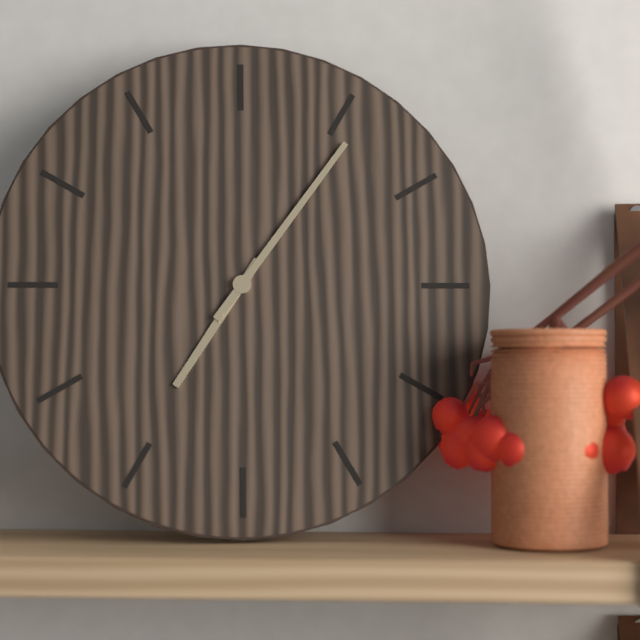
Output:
**7:06**
